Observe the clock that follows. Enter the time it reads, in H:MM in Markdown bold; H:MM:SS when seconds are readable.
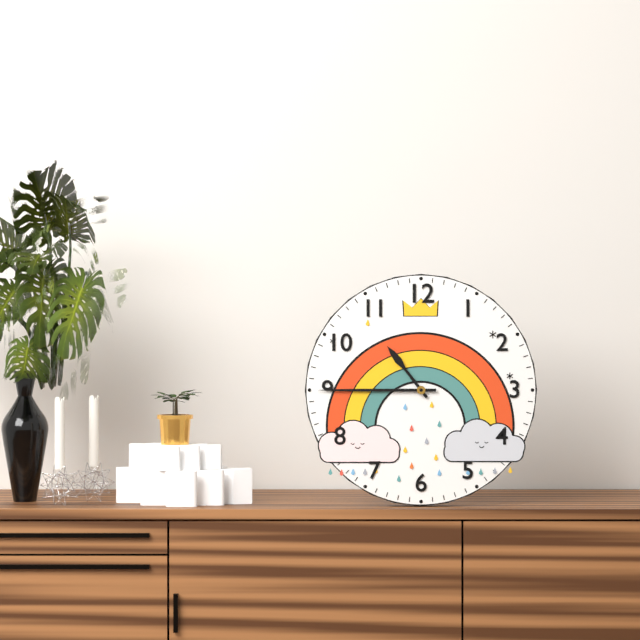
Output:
**10:45**
